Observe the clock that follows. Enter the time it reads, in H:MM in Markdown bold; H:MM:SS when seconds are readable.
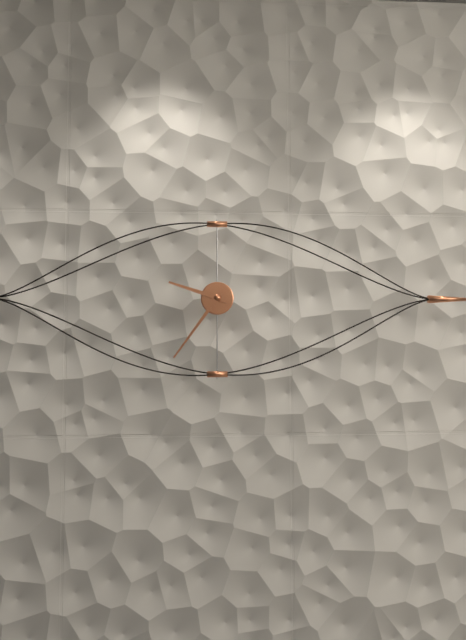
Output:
**9:36**
